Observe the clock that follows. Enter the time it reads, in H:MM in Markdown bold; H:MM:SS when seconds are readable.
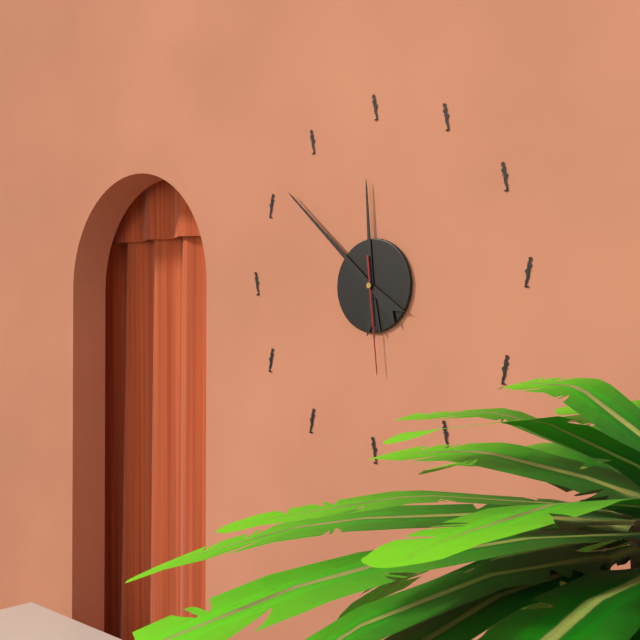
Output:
**11:52:29**
